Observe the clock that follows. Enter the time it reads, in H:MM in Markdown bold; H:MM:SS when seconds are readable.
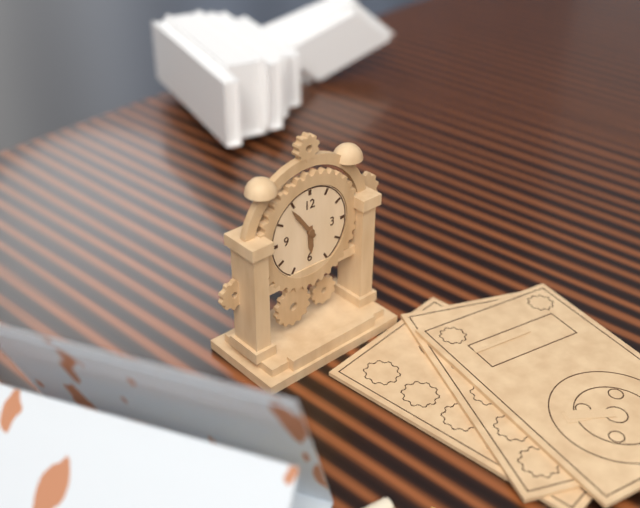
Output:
**5:54**
